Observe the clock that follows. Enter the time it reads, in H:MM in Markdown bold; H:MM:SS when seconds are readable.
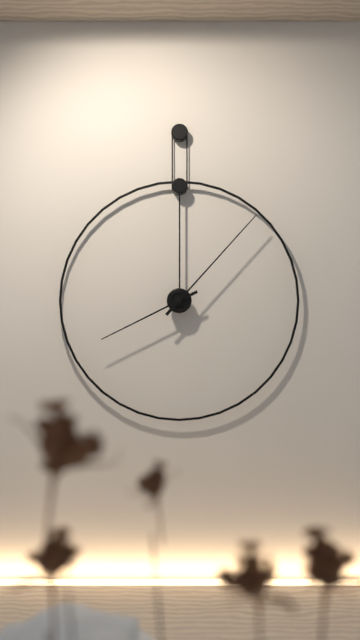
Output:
**8:07**
